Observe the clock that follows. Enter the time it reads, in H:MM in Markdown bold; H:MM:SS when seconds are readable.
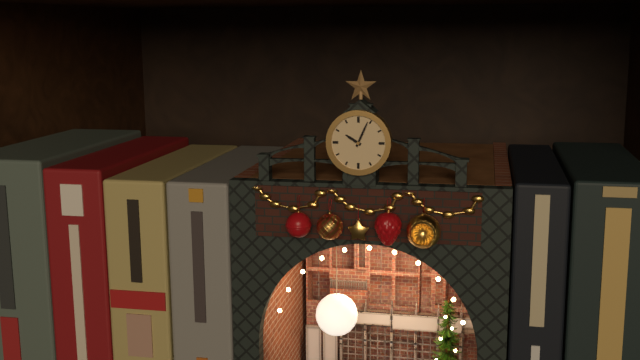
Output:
**10:04**
